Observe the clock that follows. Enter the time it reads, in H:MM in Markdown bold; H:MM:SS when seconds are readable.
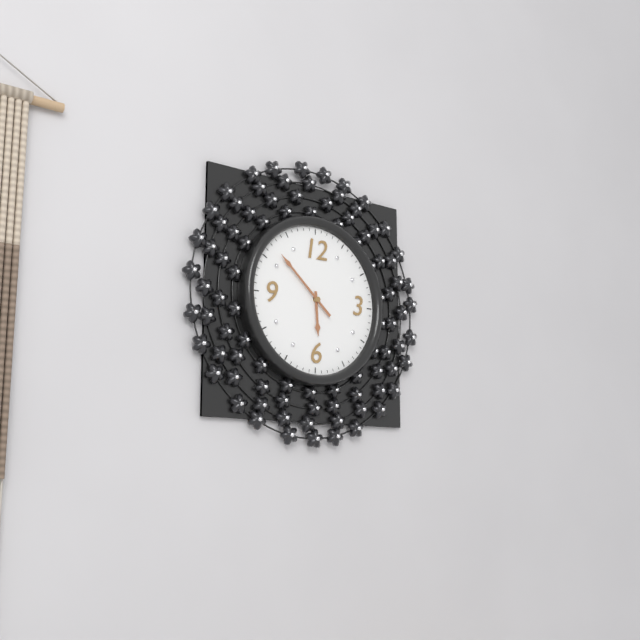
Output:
**5:52**
